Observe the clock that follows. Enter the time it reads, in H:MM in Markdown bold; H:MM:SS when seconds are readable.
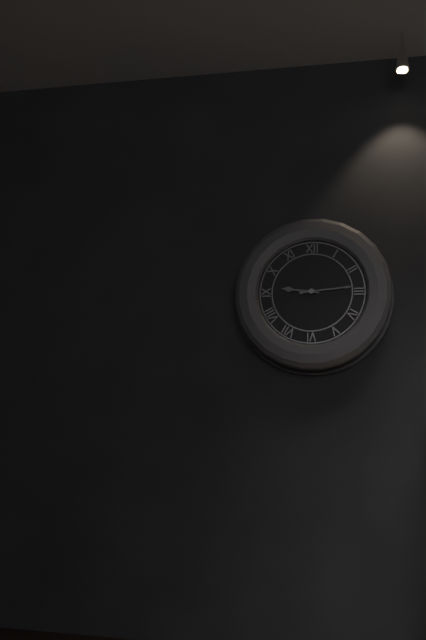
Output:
**9:14**
